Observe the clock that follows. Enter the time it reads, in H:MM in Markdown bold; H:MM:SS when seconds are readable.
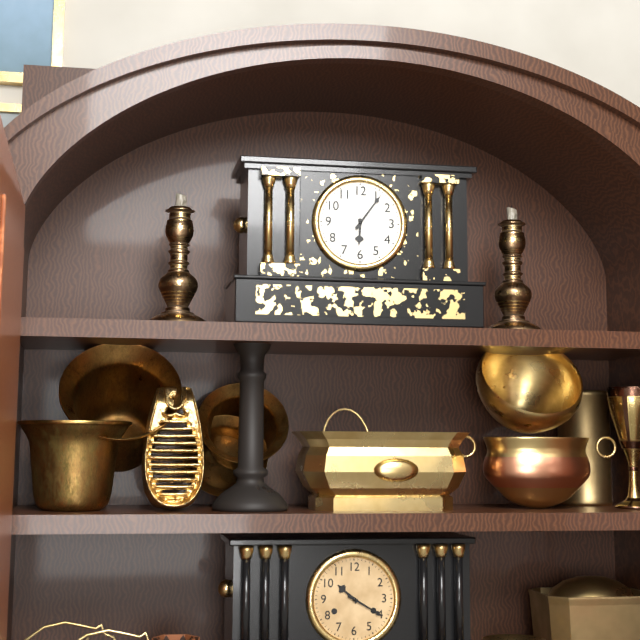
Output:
**6:06**
